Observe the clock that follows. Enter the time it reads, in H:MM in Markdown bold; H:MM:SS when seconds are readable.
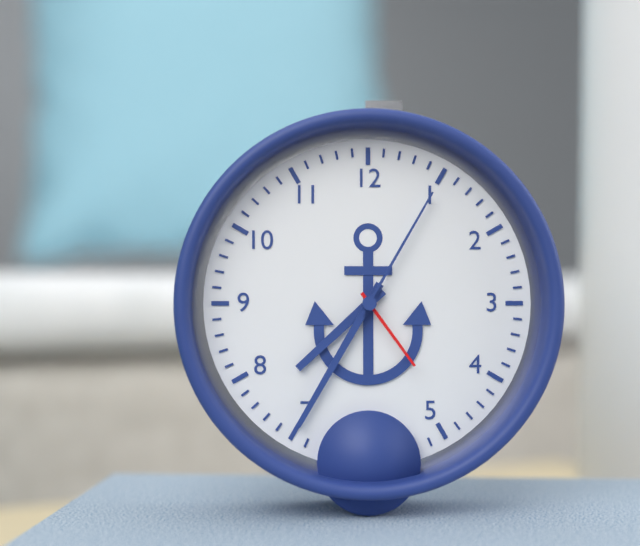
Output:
**7:35:24**
